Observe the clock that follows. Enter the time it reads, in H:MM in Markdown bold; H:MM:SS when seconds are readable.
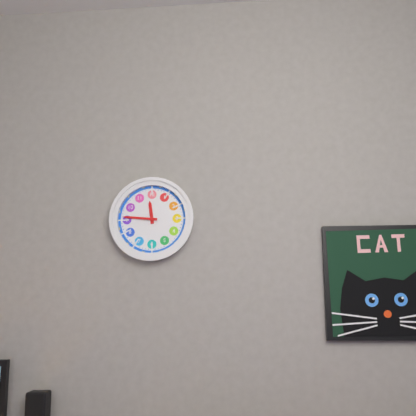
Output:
**11:46**
